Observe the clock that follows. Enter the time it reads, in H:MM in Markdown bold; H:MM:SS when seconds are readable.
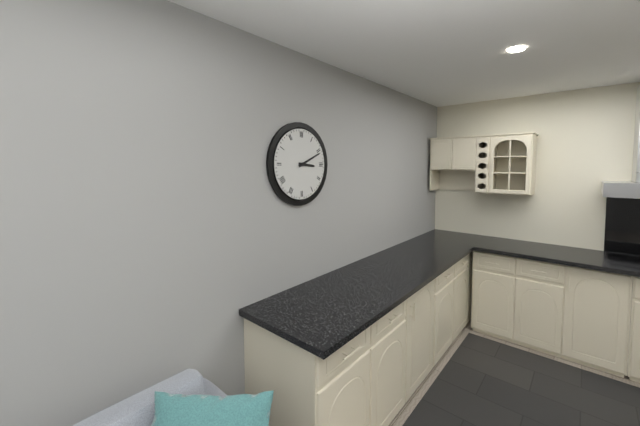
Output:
**3:11**
